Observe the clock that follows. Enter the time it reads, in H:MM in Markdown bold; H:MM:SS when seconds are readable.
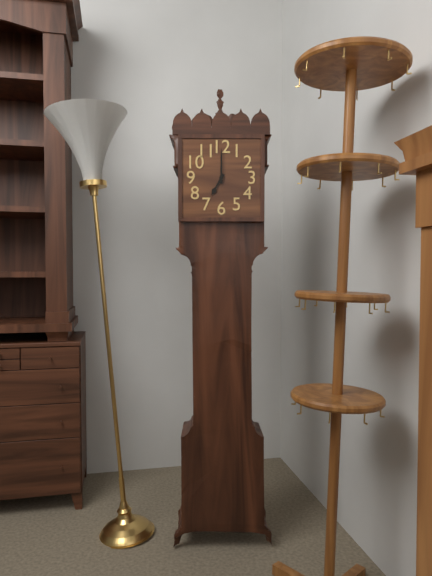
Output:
**7:00**
